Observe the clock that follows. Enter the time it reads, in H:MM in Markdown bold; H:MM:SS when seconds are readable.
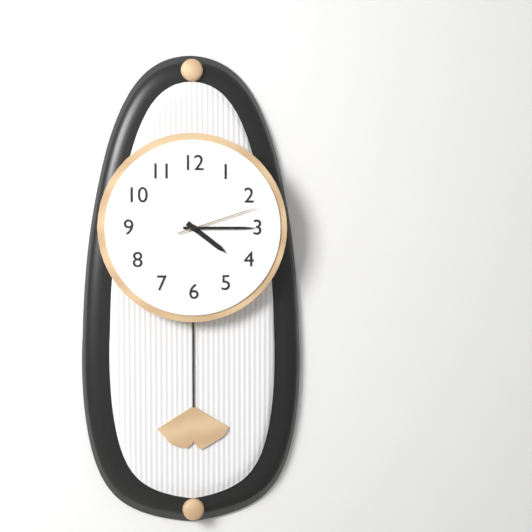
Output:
**4:15:12**
